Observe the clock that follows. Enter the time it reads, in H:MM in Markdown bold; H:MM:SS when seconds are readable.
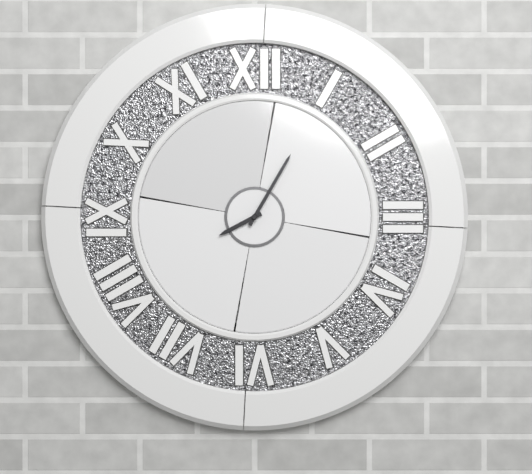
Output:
**8:05**
